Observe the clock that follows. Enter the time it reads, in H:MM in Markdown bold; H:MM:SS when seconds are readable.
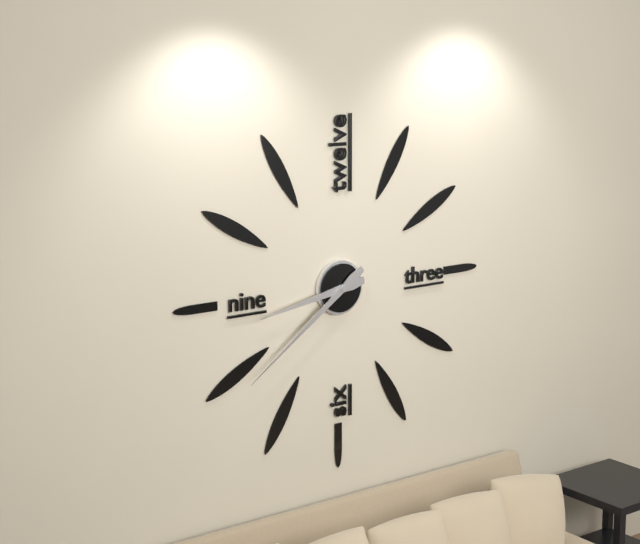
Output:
**8:39**
